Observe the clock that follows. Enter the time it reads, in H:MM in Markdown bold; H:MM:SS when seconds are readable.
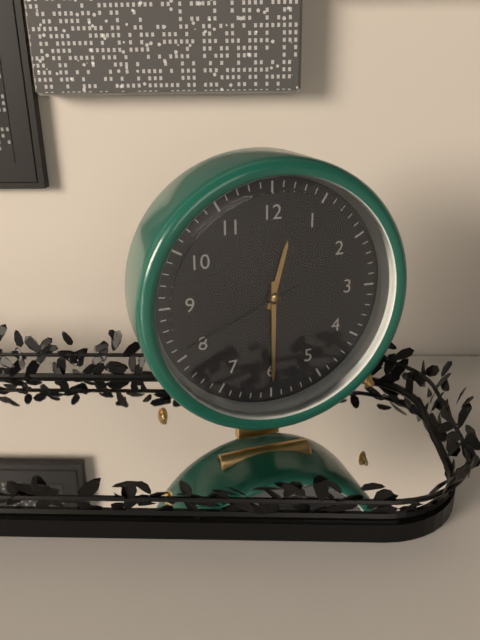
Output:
**12:30:41**
